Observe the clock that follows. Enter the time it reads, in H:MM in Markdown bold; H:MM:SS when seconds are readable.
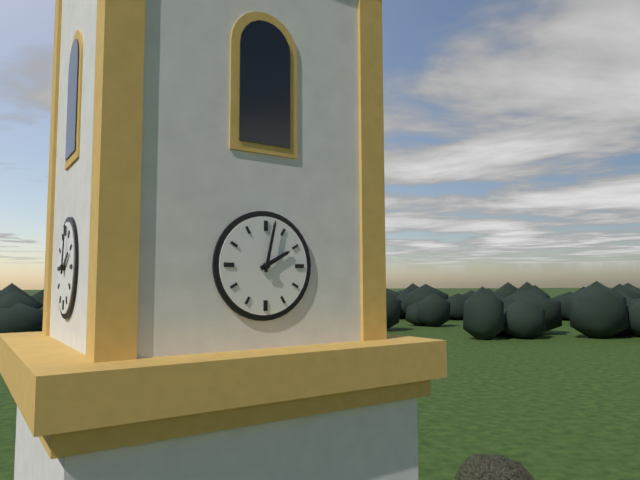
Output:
**2:02**
